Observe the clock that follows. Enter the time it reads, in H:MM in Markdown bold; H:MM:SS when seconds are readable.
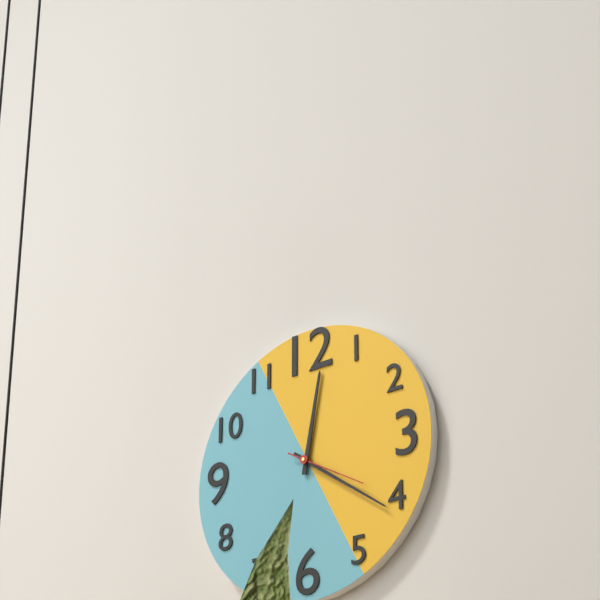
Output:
**12:21:20**
